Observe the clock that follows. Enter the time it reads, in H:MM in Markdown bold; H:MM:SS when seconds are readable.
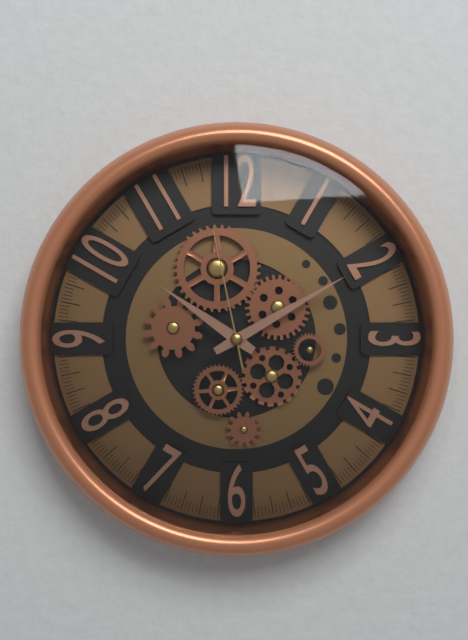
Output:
**10:10:58**
